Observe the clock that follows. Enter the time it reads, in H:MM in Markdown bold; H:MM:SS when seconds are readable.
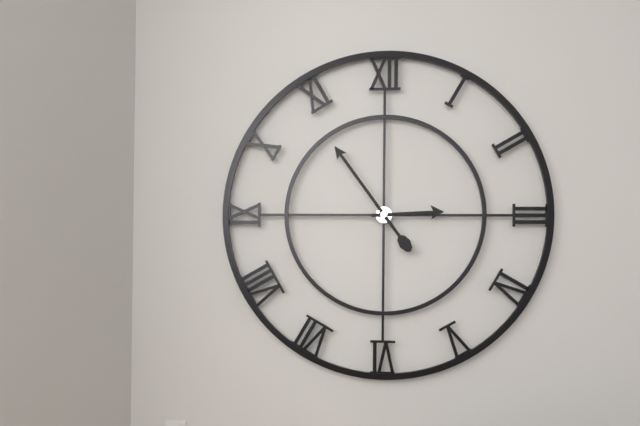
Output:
**2:54**
